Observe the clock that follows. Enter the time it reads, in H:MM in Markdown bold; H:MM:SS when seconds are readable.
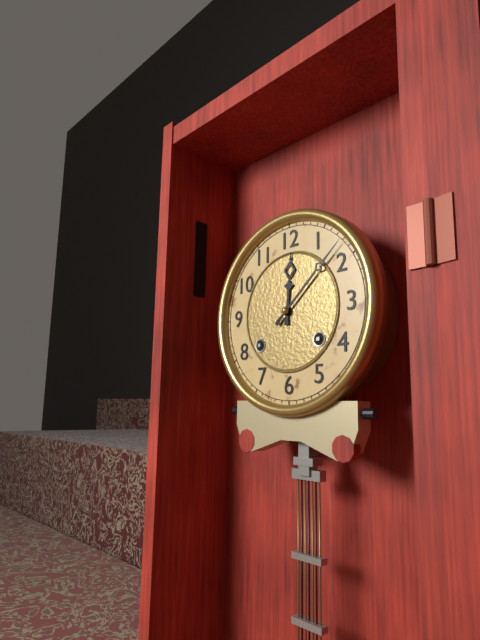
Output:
**12:08**
